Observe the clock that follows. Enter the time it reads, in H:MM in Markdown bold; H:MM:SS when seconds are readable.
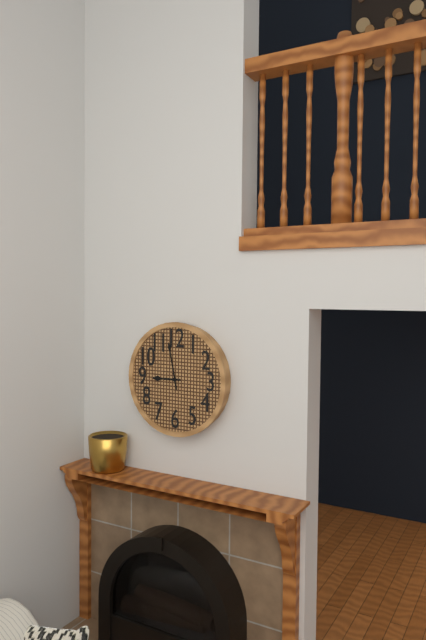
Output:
**8:58**
